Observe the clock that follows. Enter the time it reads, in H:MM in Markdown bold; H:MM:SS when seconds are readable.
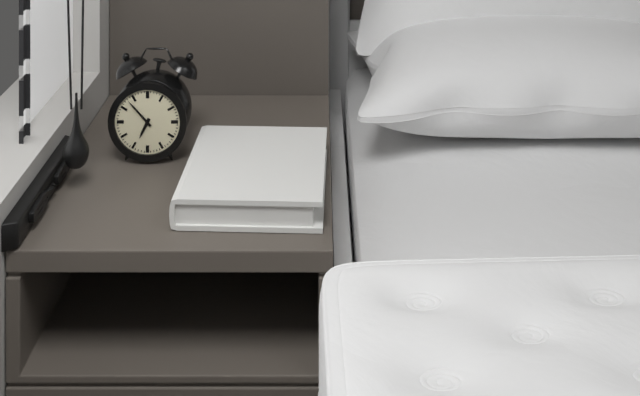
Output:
**6:53**
